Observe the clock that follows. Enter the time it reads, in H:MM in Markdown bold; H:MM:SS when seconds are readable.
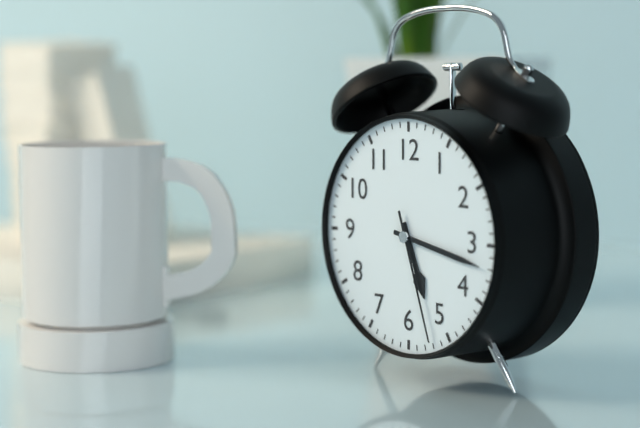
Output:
**5:17:27**
